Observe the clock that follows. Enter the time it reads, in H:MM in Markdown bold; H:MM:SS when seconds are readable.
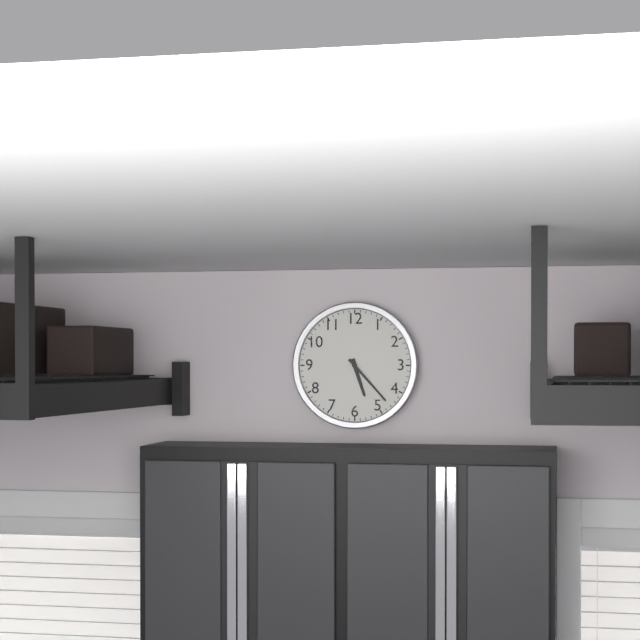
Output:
**5:23**
